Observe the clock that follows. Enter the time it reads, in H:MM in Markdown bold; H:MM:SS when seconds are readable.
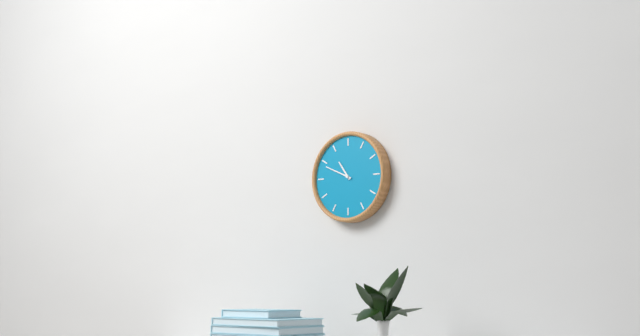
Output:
**10:49**
